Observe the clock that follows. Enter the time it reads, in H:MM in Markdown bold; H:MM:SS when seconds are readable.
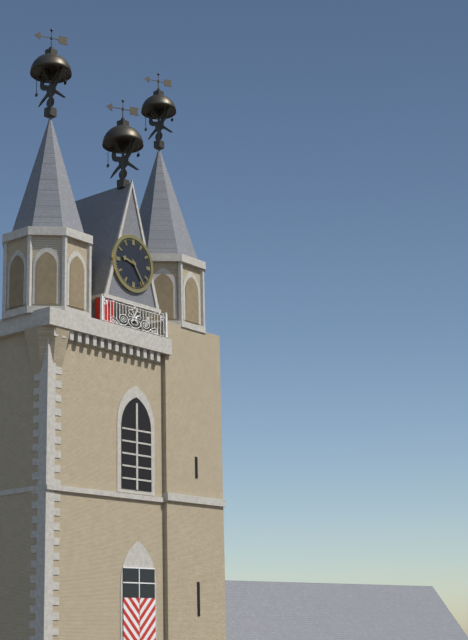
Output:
**9:24**
